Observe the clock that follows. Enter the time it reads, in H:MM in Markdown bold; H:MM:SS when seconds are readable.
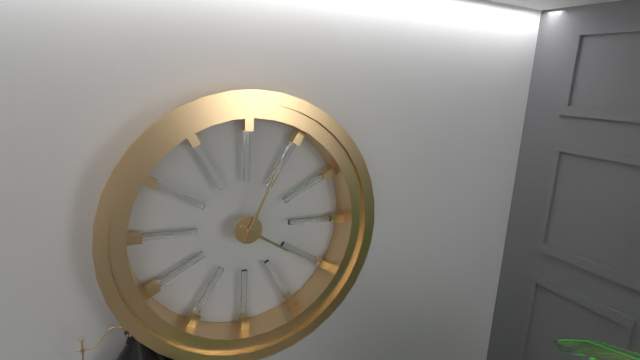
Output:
**4:04**
